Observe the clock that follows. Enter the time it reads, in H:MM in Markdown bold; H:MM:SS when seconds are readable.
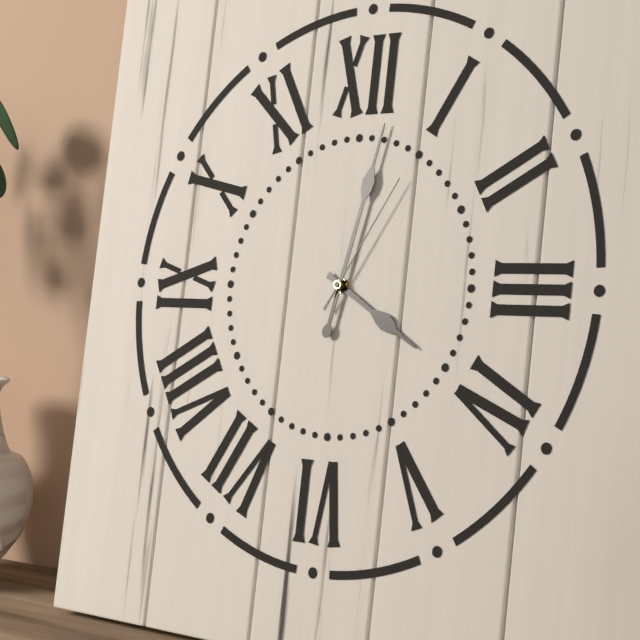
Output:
**4:02:05**
